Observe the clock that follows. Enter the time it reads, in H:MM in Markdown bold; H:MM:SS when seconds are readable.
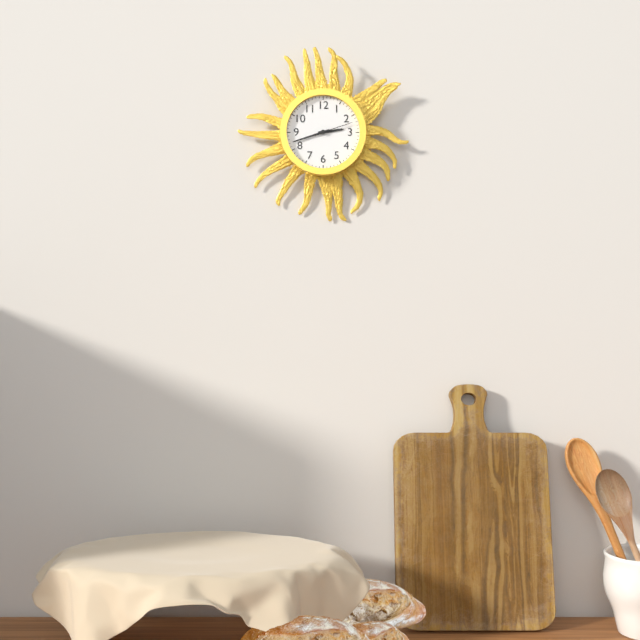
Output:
**2:42**
